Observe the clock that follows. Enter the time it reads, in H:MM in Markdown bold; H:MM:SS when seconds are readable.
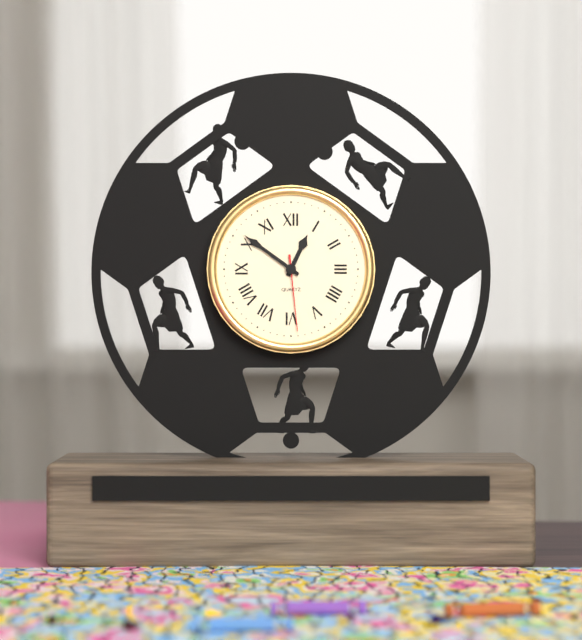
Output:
**12:51:29**
